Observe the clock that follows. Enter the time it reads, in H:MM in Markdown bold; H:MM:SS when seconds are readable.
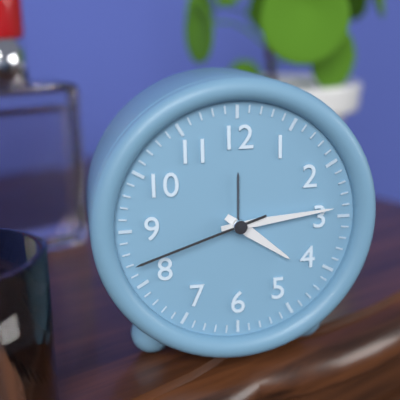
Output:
**4:14:42**
